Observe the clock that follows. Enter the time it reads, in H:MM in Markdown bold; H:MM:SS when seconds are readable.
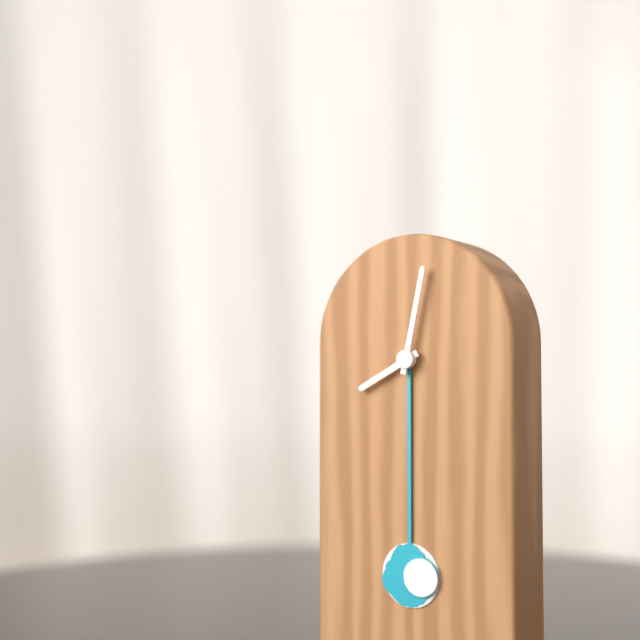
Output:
**8:02**
